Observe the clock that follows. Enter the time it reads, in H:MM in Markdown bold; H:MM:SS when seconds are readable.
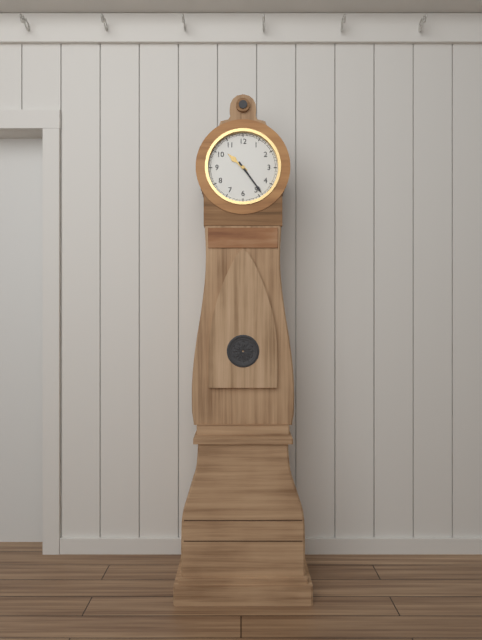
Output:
**10:24**
